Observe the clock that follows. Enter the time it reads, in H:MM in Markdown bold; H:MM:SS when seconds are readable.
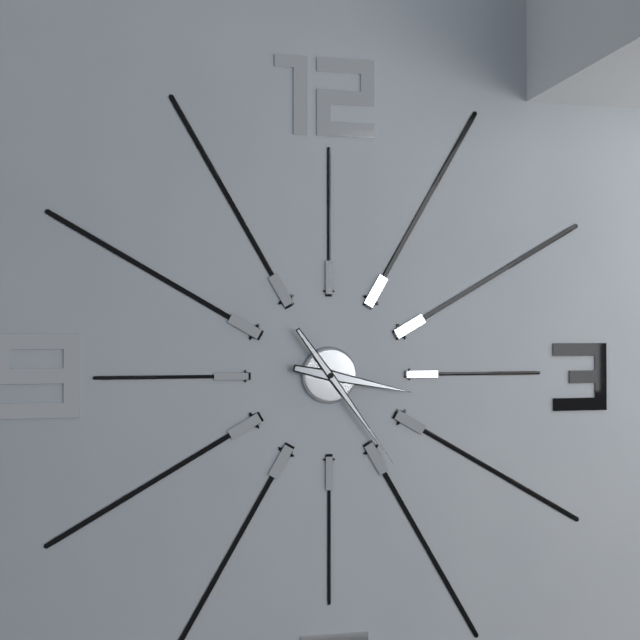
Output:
**3:24**
